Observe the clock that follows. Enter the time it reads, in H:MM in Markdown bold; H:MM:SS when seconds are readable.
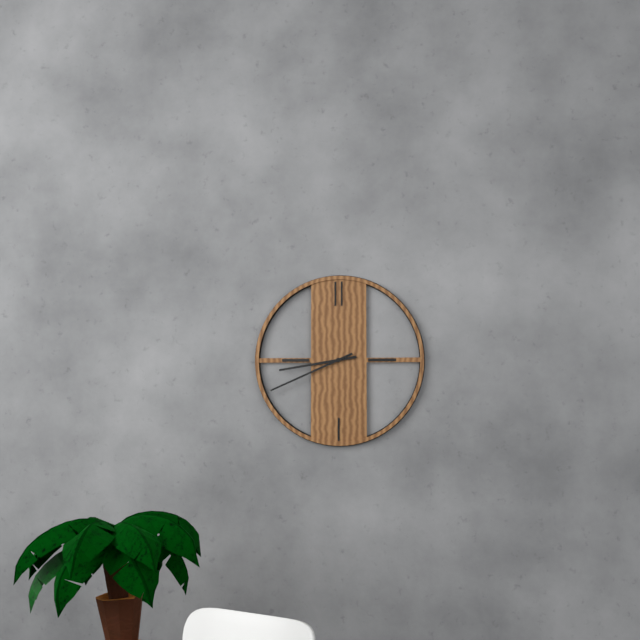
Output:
**8:41**
